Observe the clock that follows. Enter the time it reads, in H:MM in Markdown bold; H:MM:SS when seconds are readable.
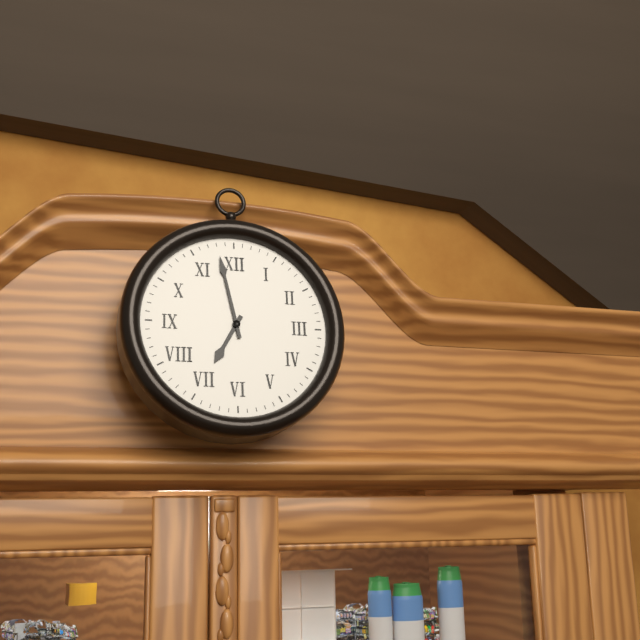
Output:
**6:58**
